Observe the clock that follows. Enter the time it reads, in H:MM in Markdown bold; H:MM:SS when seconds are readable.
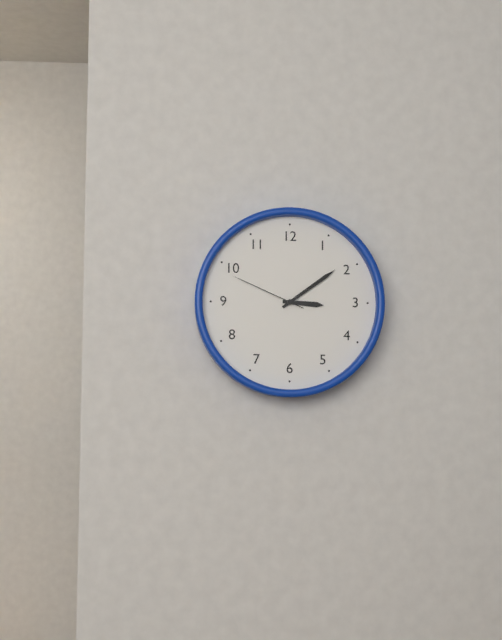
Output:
**3:09:49**
